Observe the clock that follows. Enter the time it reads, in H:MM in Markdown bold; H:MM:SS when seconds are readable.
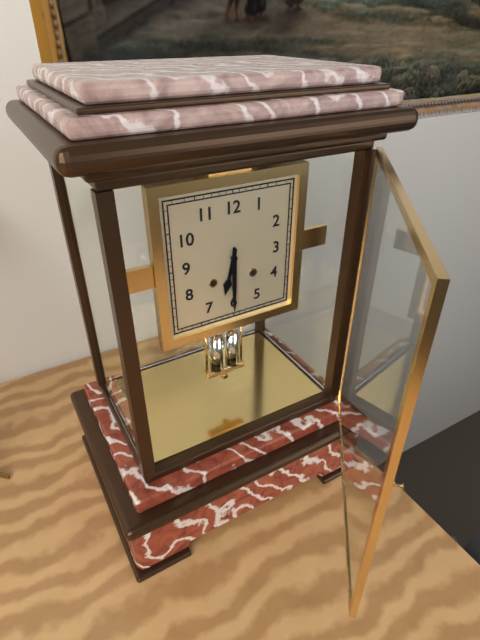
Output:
**6:30**
